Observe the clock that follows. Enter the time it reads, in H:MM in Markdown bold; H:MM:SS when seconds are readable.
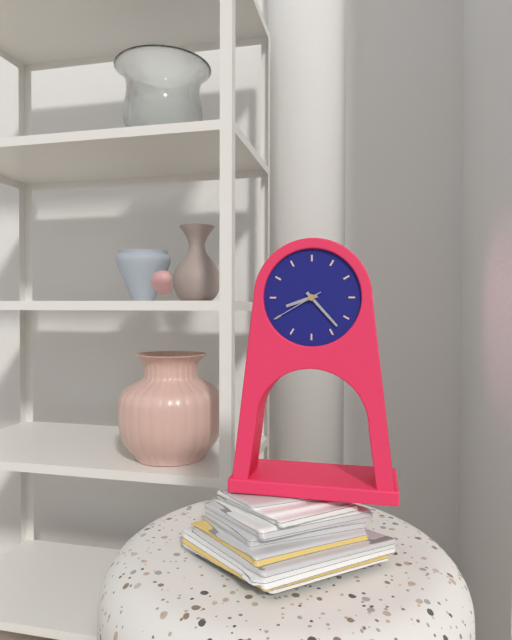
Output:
**8:23:40**
